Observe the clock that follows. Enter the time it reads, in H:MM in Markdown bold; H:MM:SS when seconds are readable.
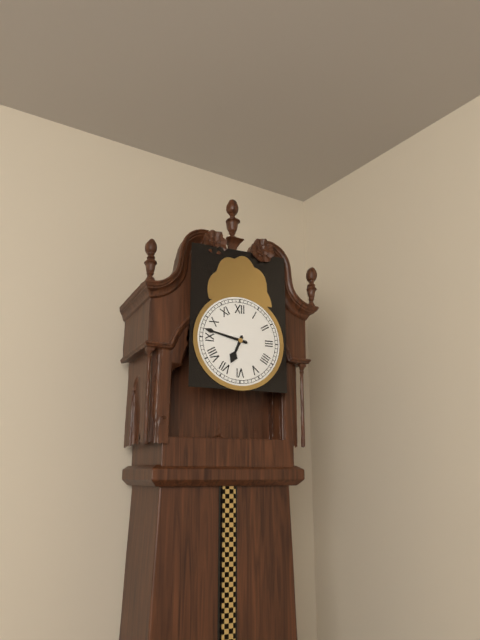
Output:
**6:47**
